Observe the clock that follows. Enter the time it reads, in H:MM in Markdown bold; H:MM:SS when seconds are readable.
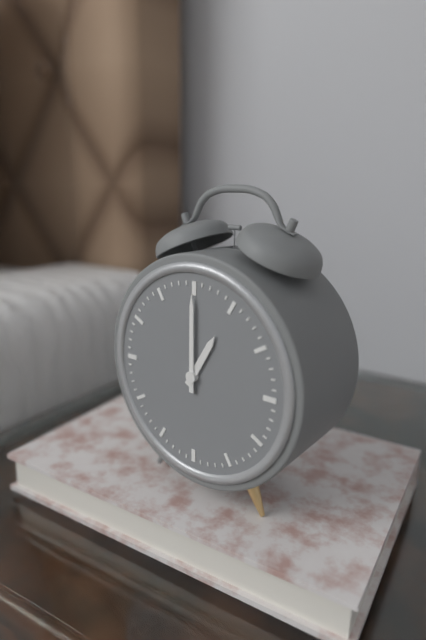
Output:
**1:00**
